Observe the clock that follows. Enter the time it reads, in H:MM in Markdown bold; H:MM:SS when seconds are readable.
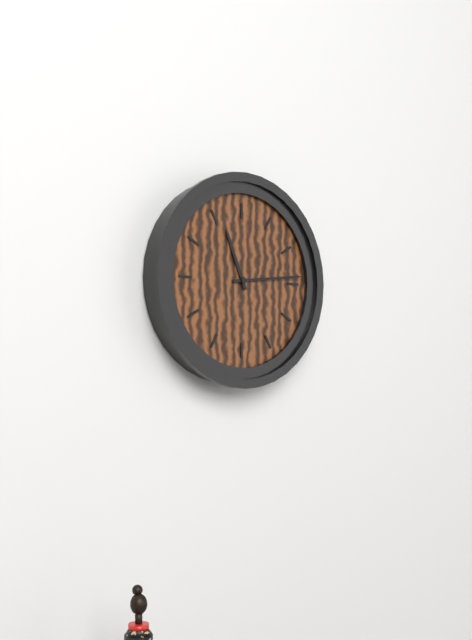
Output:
**11:14**
